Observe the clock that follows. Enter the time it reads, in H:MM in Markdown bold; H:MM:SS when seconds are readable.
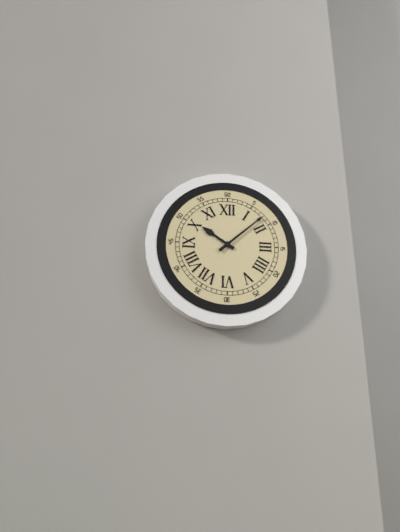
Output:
**10:08**
